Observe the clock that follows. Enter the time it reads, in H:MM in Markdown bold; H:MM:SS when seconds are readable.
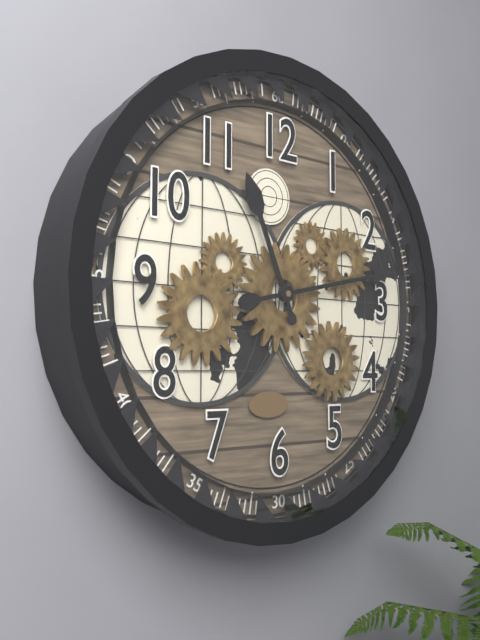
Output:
**11:13**
